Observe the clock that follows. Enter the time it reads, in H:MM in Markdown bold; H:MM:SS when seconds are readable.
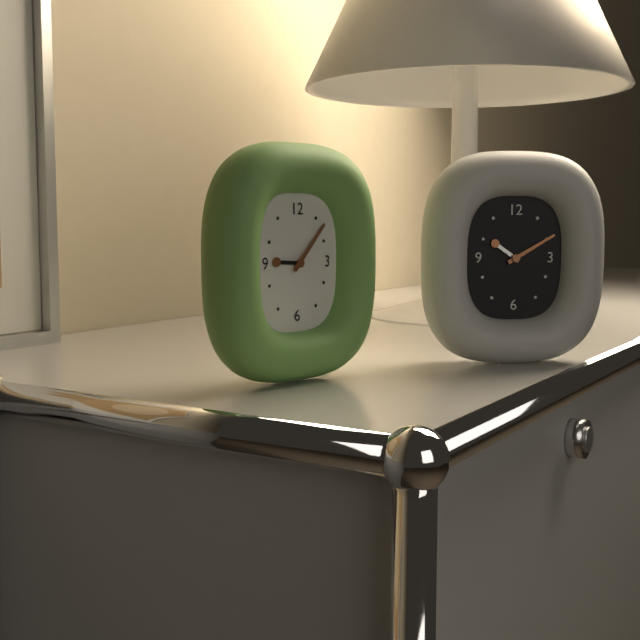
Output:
**9:07**
